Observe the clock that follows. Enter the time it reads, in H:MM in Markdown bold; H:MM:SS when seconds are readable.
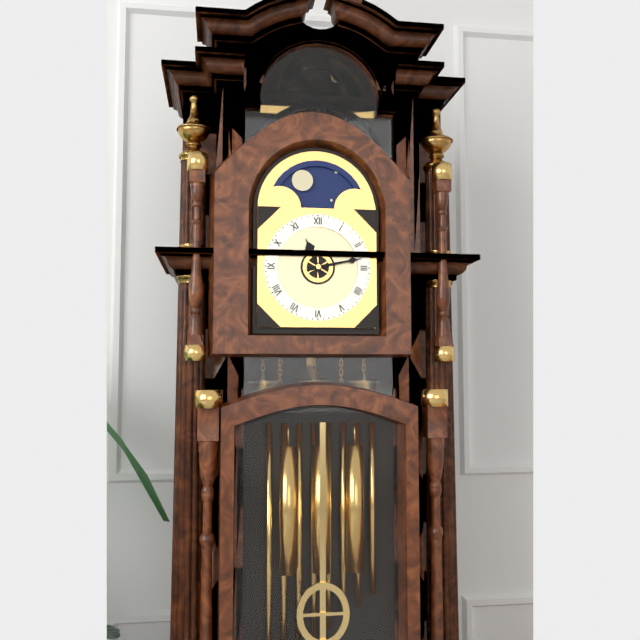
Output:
**11:13**
